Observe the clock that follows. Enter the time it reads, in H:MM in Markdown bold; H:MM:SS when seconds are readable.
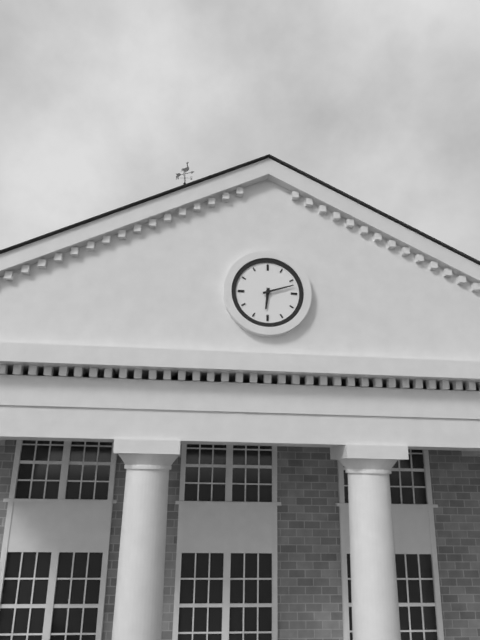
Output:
**6:12**
